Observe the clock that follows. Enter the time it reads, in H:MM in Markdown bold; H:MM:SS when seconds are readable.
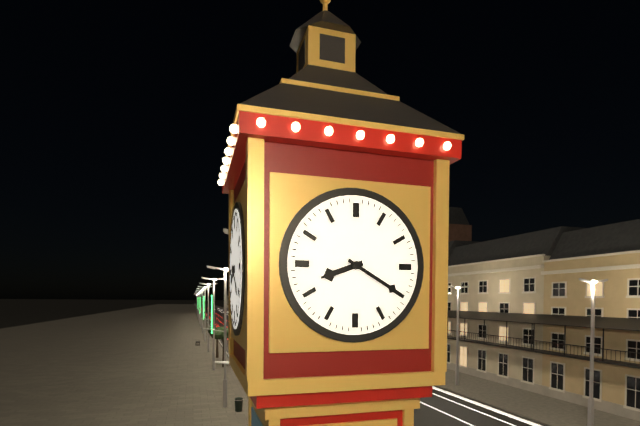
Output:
**8:20**
